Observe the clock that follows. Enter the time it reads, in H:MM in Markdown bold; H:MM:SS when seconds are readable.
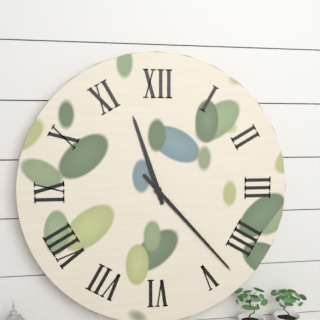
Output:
**11:23**
